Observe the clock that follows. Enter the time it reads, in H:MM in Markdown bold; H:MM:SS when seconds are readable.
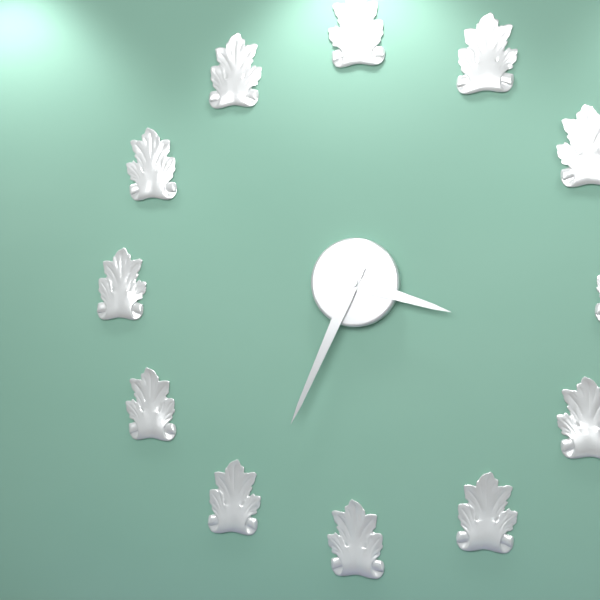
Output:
**3:34**
